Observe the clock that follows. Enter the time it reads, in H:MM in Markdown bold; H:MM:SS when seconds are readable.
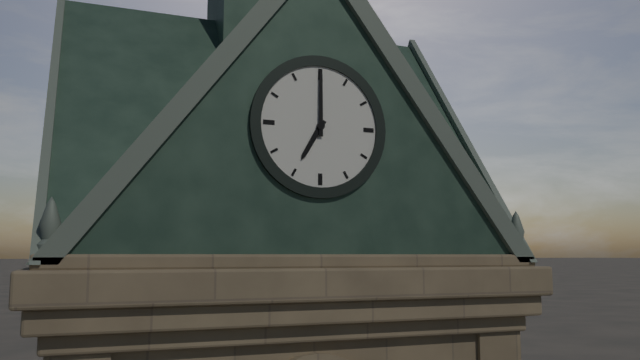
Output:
**7:00**
